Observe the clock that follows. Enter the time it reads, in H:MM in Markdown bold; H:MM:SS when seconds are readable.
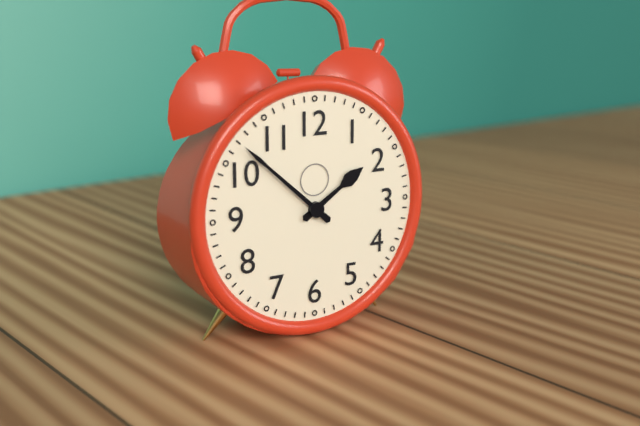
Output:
**1:52**
